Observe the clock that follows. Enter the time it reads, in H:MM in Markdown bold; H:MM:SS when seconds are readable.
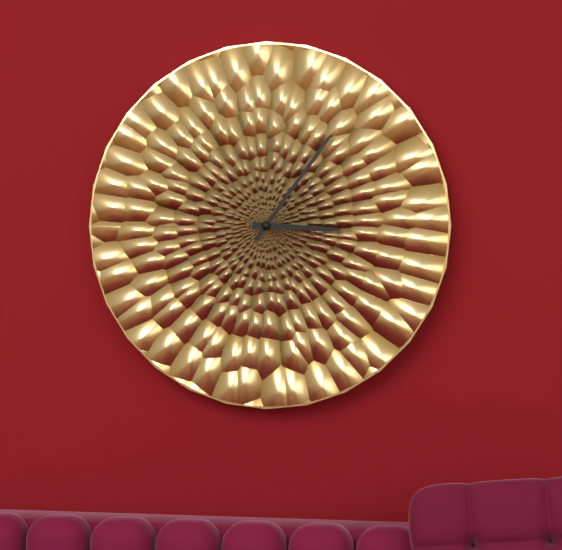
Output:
**3:06**
